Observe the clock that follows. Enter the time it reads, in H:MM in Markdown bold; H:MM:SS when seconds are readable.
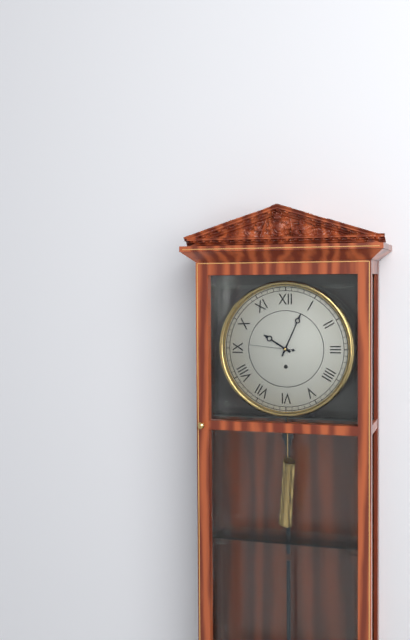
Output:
**10:04:46**
